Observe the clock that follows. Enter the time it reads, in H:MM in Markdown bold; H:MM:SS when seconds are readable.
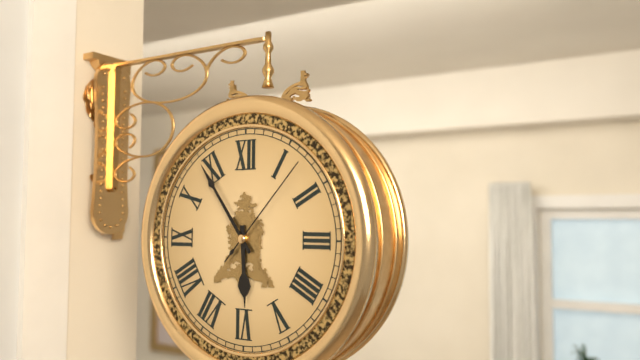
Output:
**5:54:07**
